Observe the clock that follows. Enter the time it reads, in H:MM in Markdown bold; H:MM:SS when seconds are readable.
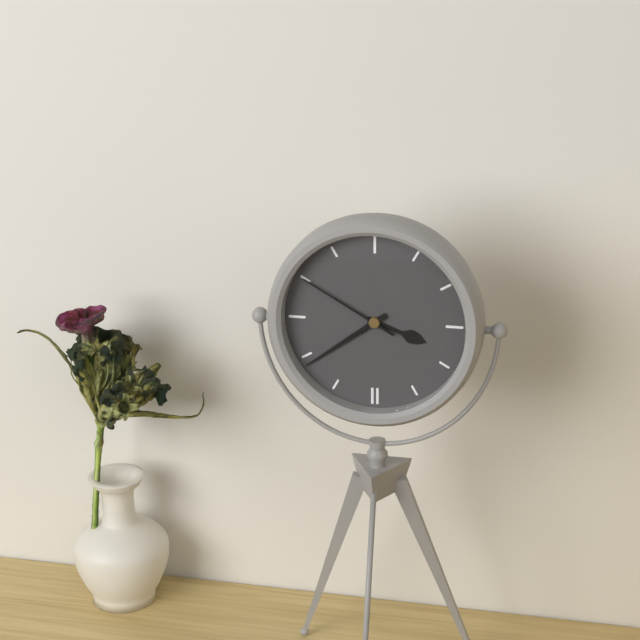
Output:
**3:39:50**
